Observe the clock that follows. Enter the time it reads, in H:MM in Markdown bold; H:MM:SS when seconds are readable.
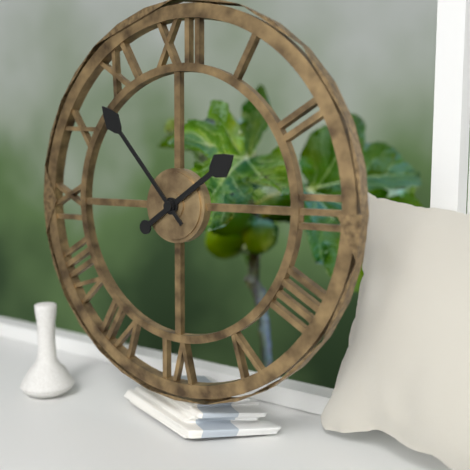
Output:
**1:53**
